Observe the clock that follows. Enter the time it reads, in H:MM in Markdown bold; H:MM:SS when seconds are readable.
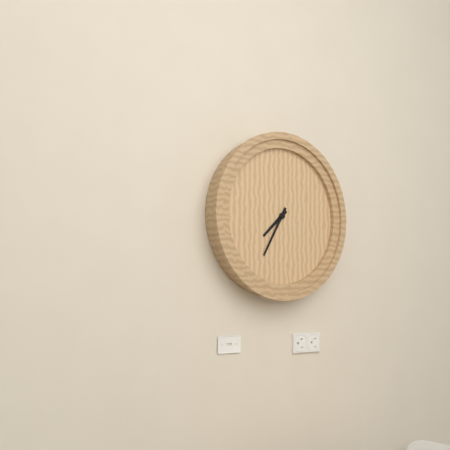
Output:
**7:35**
